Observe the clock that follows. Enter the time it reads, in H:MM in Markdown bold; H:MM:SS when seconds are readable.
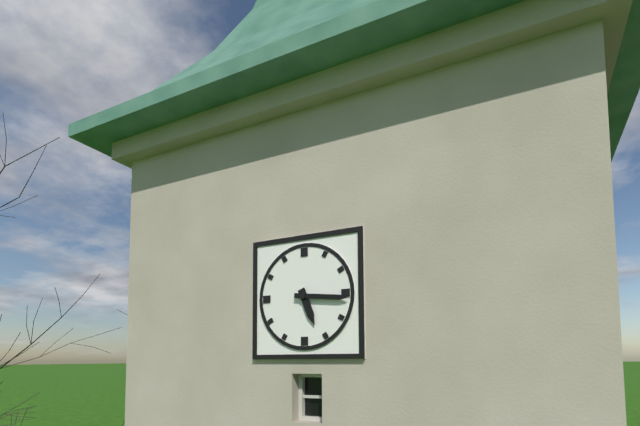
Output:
**5:16**
